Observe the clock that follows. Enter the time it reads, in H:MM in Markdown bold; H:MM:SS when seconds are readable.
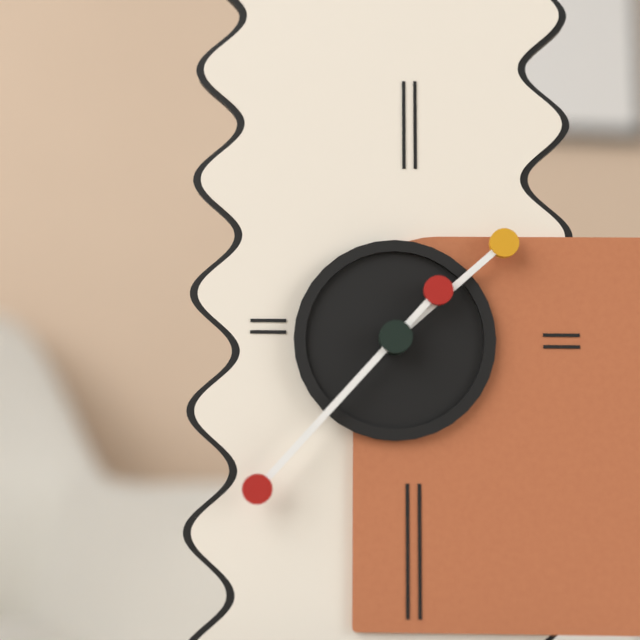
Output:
**1:37**
